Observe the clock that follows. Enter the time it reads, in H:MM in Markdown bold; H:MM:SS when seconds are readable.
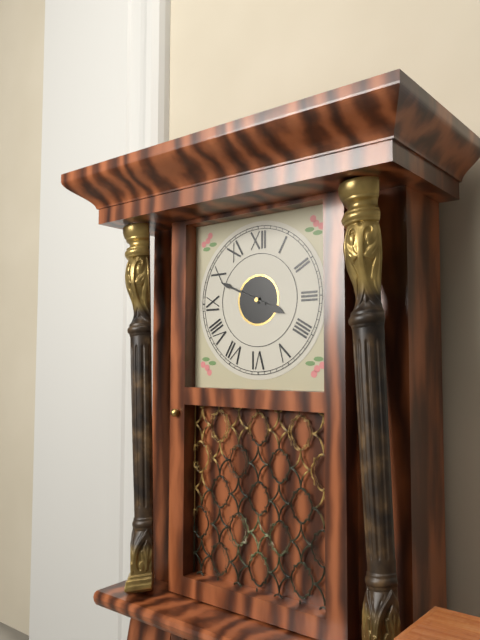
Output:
**3:49**
